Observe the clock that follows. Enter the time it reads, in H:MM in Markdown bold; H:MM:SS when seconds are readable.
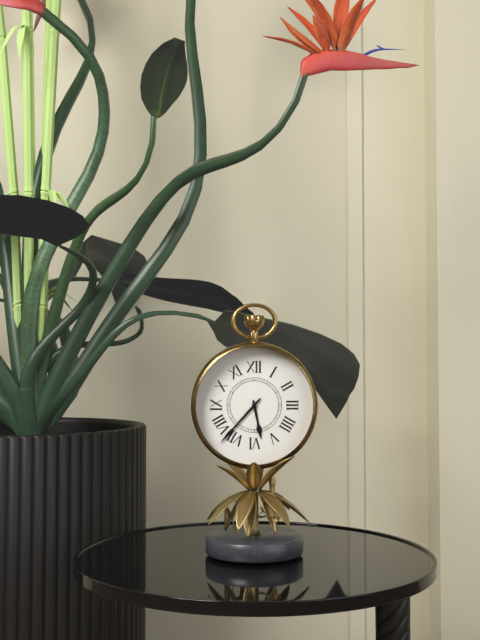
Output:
**5:37**
